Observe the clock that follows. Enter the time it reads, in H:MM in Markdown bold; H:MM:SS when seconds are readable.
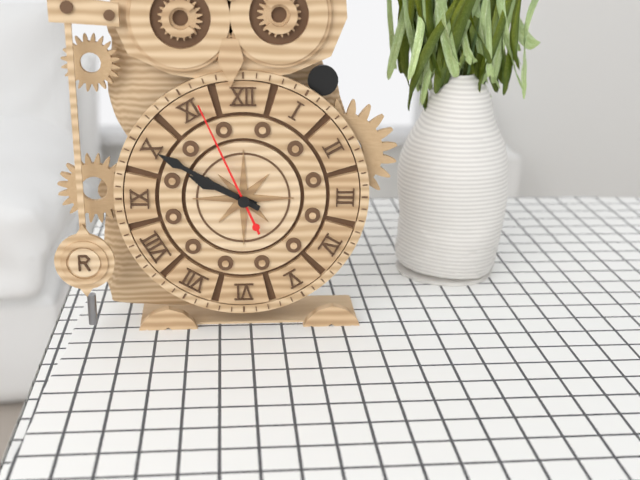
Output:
**9:50:56**
